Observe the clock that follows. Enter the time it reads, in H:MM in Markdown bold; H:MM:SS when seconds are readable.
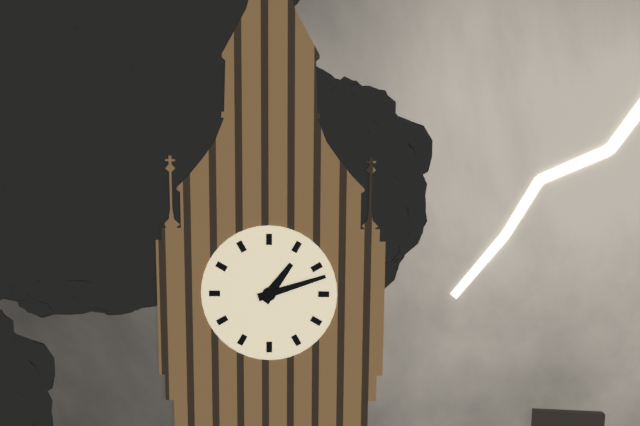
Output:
**1:12**
